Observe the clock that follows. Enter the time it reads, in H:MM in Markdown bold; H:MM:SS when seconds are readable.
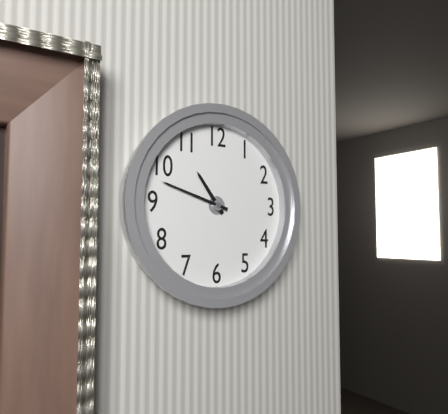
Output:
**10:48**
